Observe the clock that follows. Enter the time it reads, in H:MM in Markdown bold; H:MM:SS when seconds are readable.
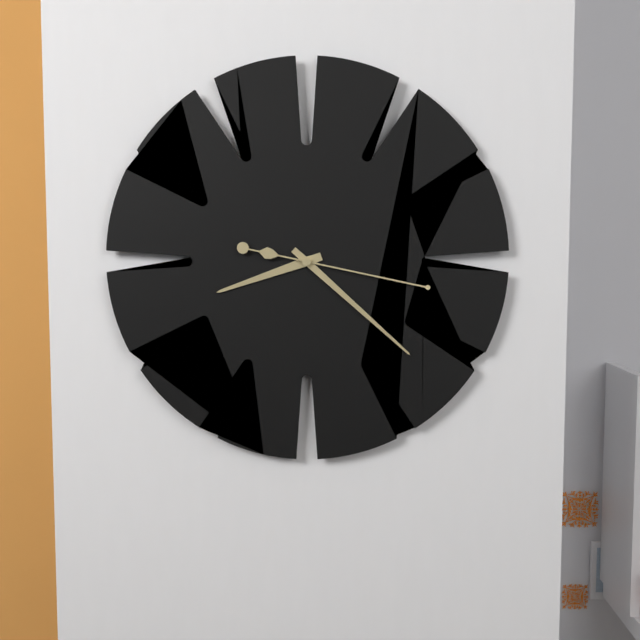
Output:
**8:22:17**
